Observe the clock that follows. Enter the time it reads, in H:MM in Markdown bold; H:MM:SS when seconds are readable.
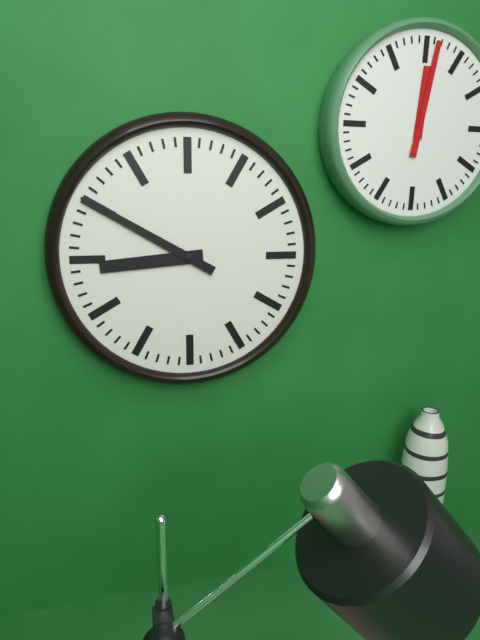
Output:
**8:50**
